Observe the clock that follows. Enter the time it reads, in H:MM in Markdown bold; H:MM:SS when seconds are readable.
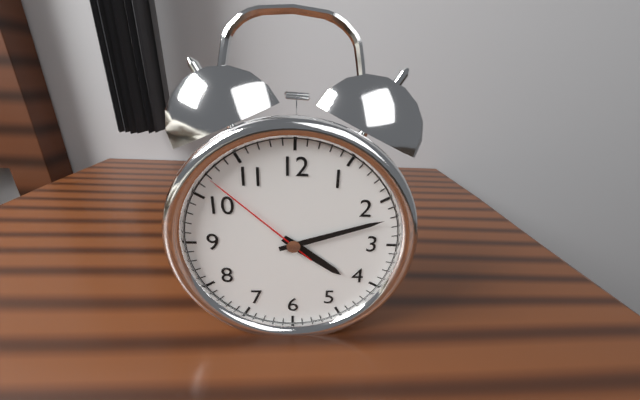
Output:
**4:12:52**
